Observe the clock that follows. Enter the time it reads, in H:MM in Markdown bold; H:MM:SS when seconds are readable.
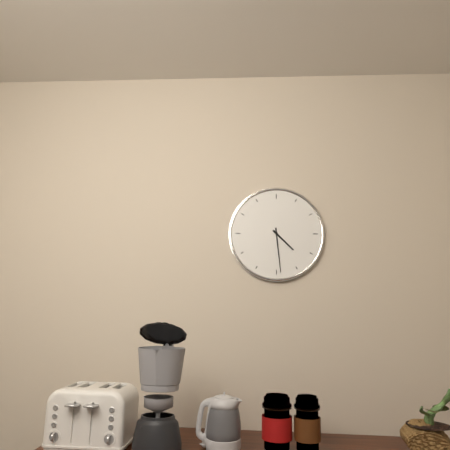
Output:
**4:29**
